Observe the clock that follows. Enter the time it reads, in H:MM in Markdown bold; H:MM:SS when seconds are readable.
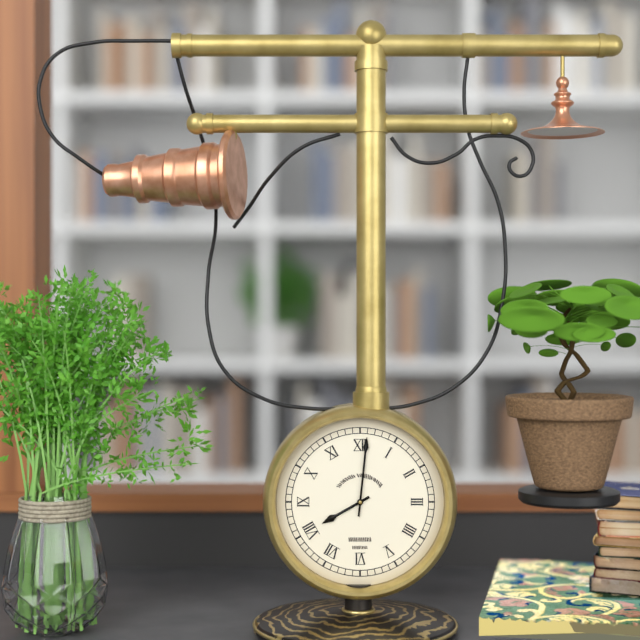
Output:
**8:01**
